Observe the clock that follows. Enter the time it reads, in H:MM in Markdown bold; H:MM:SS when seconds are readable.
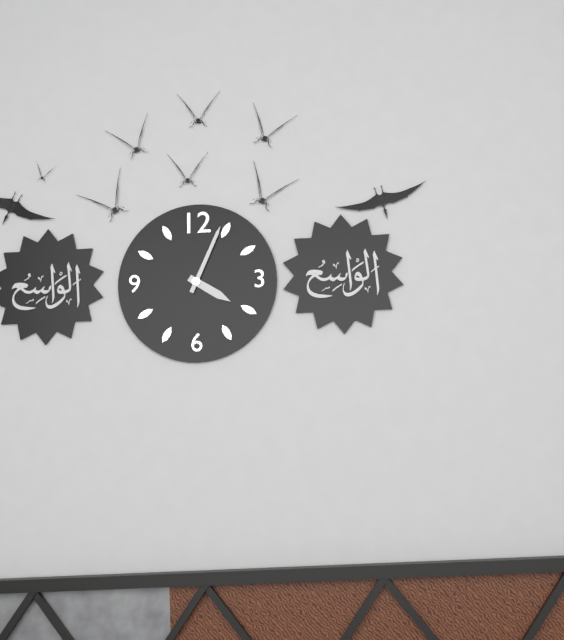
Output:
**4:04**
